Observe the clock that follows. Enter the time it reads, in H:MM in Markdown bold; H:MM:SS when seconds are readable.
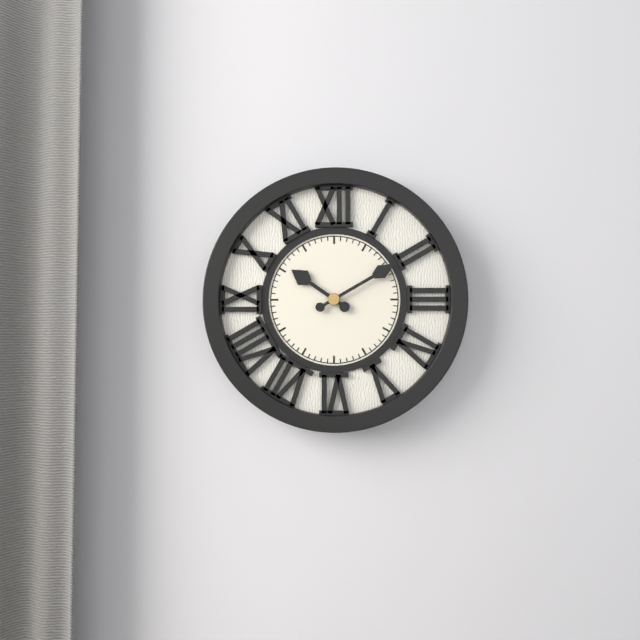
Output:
**10:10**
